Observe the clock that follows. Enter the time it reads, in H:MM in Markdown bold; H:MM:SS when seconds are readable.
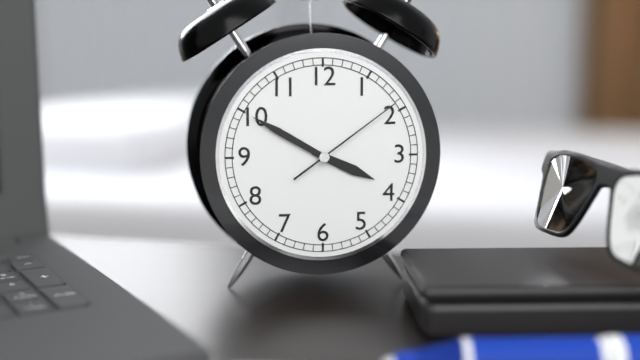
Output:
**3:50:09**
